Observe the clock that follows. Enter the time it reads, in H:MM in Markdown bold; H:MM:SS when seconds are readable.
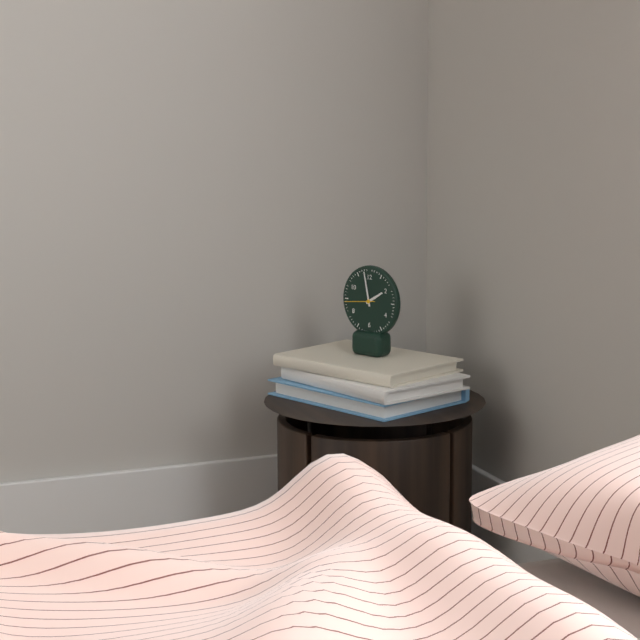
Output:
**1:58**
